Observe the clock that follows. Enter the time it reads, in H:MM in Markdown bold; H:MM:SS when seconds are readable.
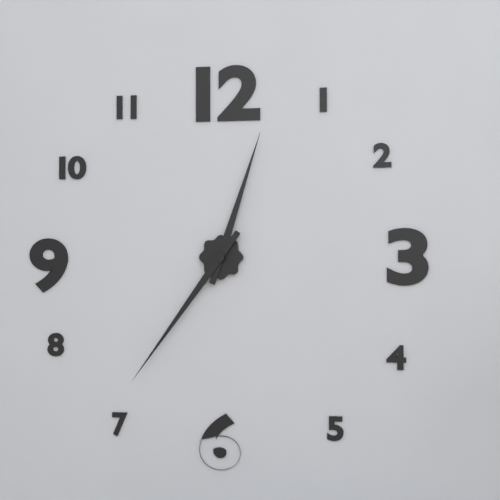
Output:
**12:36**
